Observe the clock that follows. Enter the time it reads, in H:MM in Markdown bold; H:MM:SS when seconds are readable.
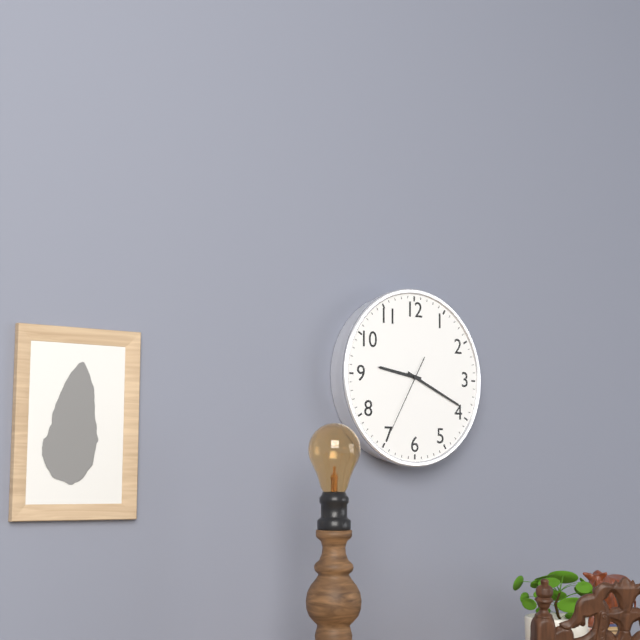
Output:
**9:19:35**
